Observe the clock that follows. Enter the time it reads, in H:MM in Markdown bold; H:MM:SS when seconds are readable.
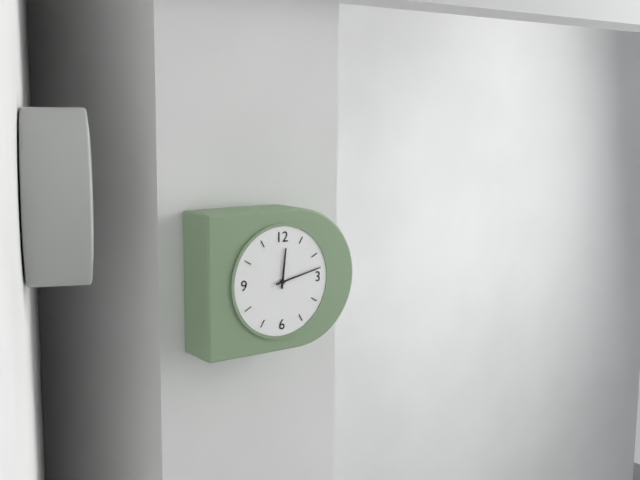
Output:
**12:13**
